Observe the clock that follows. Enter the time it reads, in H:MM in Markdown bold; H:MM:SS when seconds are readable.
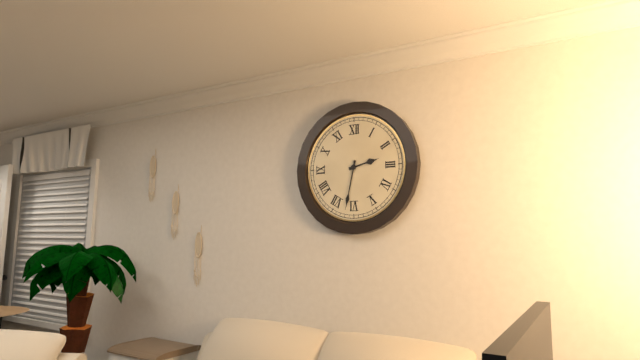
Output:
**2:32**
